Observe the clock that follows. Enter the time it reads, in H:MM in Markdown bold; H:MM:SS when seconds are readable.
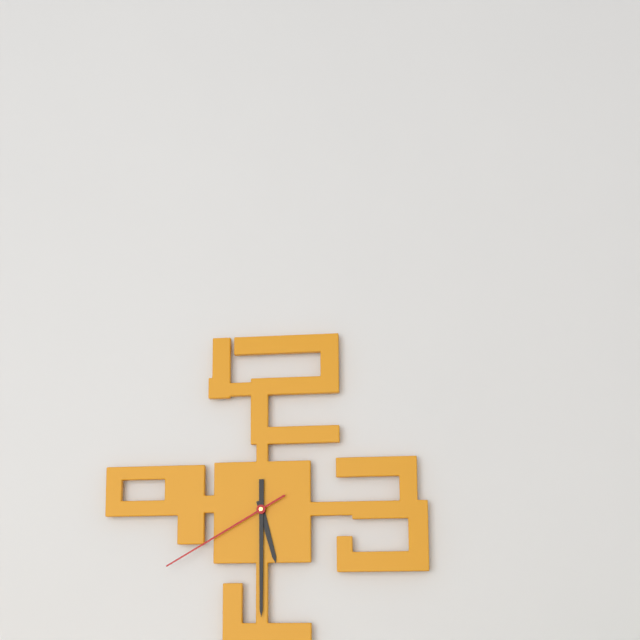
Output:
**5:30:40**
